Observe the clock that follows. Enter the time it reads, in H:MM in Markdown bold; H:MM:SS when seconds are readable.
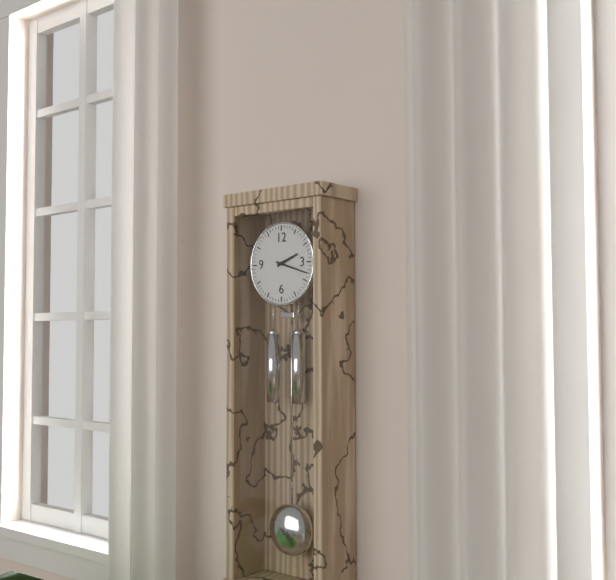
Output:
**2:18**
